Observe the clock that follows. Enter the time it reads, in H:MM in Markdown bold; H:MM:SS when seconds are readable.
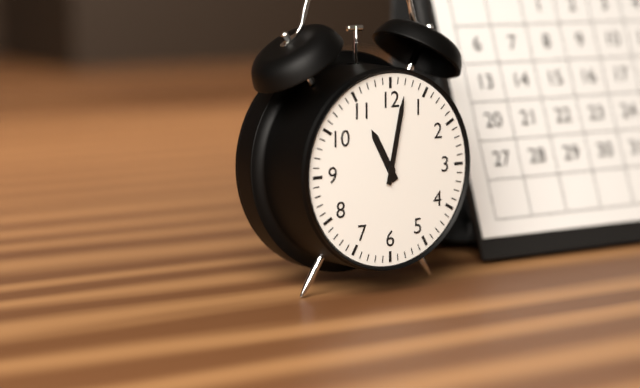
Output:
**11:02**
